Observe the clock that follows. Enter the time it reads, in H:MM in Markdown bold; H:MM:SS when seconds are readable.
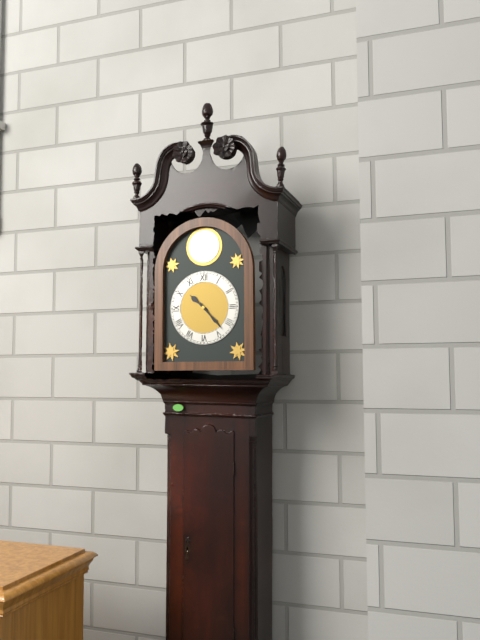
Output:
**10:23**
